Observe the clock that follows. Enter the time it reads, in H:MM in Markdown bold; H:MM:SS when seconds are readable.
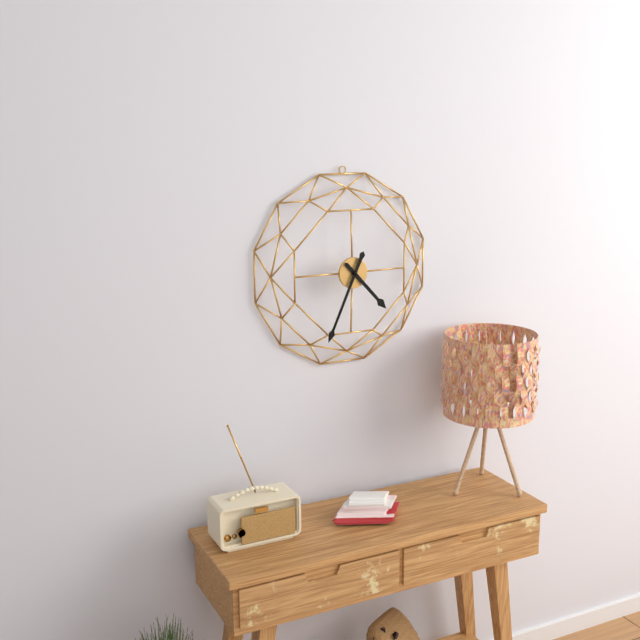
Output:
**4:34**
